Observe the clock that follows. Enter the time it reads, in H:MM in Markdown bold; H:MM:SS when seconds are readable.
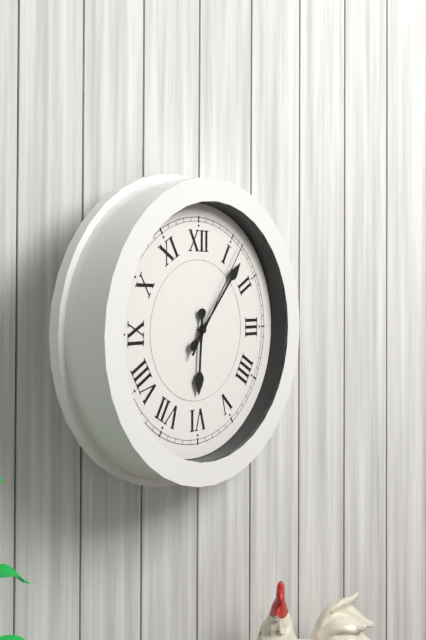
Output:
**6:07:06**
